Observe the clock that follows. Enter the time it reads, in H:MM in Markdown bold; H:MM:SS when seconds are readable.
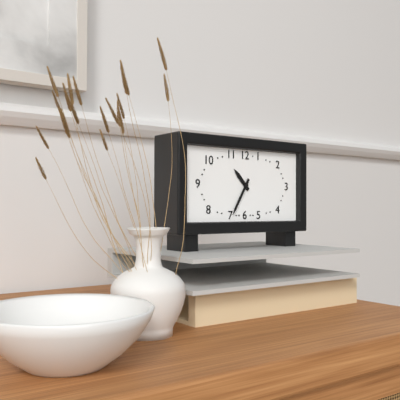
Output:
**10:35**
